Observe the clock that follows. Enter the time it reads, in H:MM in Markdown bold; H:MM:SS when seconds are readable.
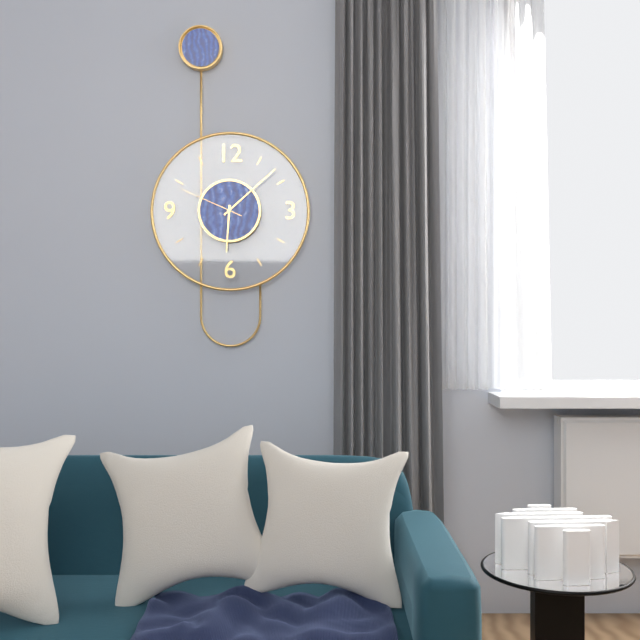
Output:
**6:08:49**
